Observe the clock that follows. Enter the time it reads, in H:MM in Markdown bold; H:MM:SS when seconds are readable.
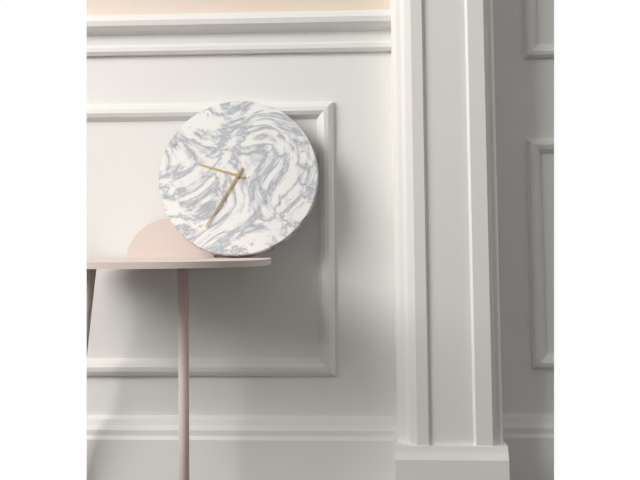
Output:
**9:35**
